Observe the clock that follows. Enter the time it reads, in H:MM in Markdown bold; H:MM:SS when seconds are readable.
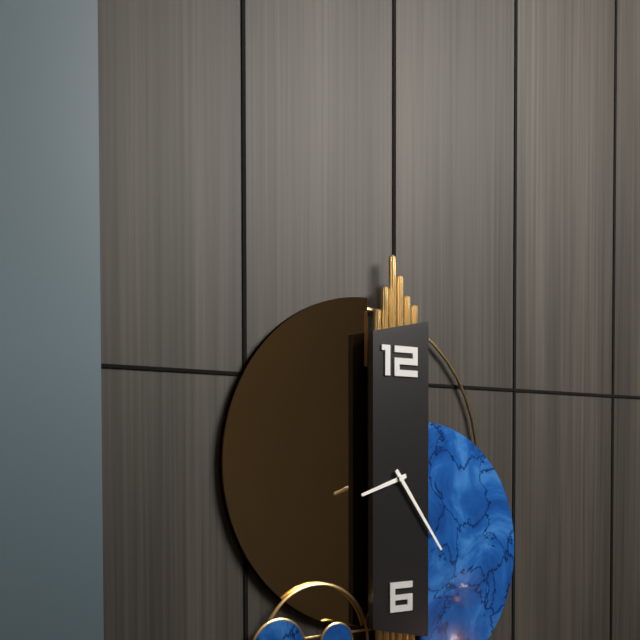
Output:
**8:24**
